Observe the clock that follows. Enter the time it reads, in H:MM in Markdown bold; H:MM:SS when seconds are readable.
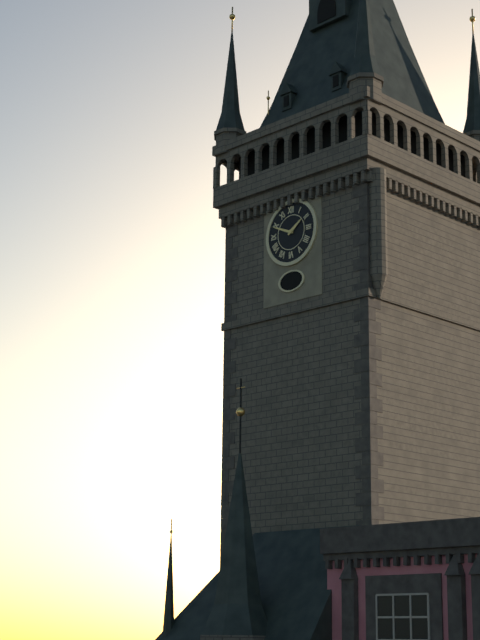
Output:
**1:49**
